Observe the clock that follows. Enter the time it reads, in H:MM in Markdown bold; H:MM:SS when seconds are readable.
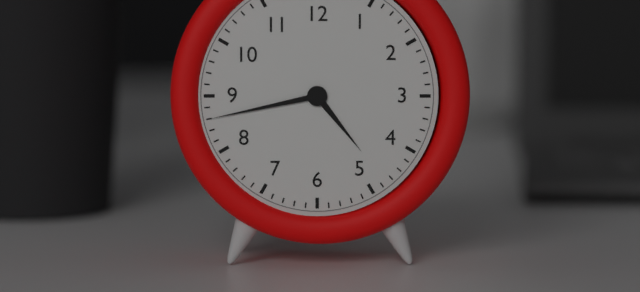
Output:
**4:43**
